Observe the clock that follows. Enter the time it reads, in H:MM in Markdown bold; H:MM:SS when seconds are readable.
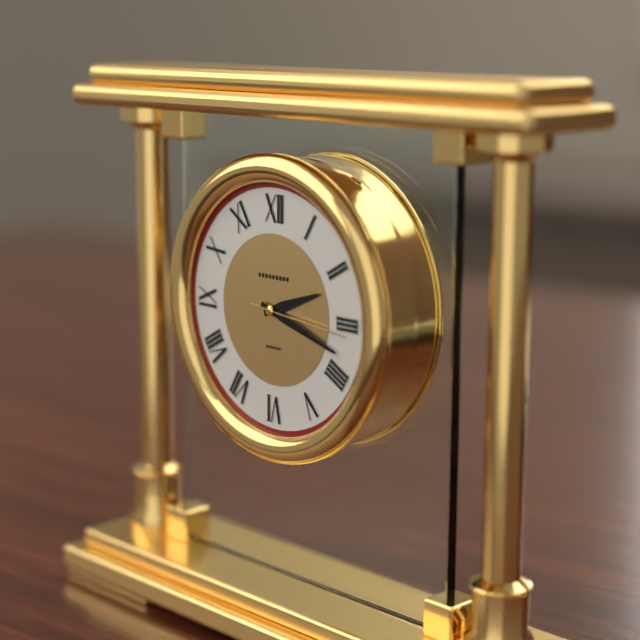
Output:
**2:18:16**
